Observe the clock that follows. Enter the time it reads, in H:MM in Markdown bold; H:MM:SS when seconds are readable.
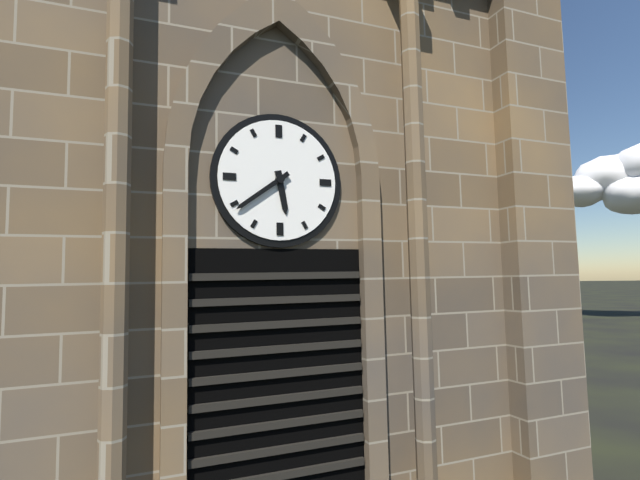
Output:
**5:39**
